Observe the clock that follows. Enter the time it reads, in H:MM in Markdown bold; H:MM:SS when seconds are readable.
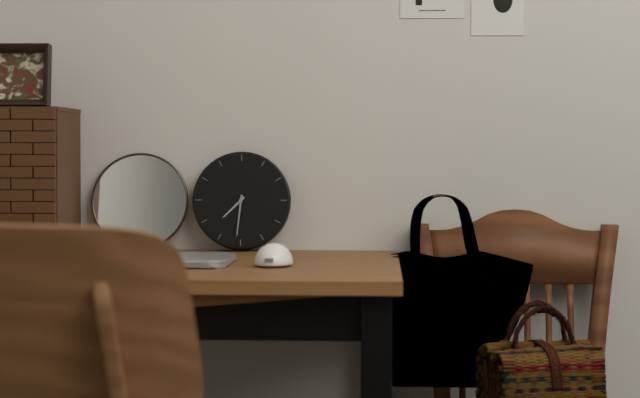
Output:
**7:31**
